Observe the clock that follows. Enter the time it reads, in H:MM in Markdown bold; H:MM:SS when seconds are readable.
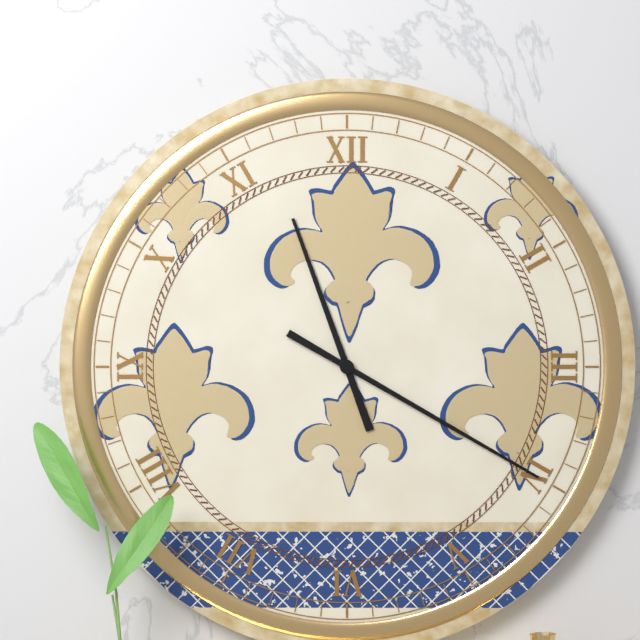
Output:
**11:20**
